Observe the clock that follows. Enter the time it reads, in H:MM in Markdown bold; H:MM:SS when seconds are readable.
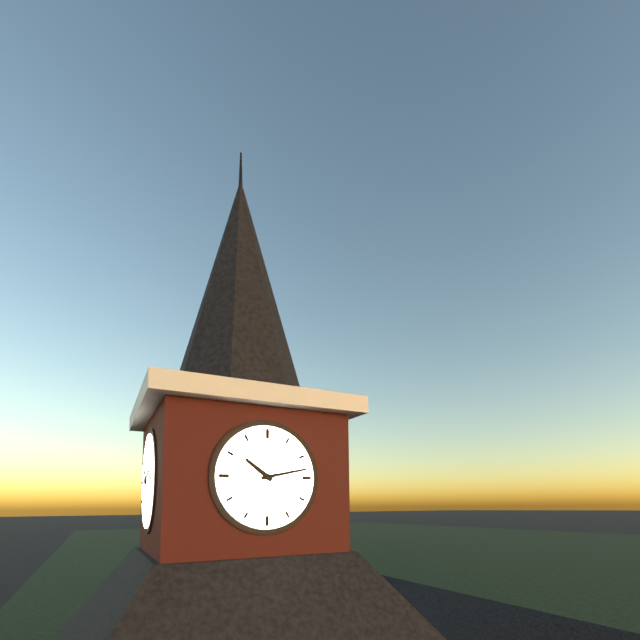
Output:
**10:13**
